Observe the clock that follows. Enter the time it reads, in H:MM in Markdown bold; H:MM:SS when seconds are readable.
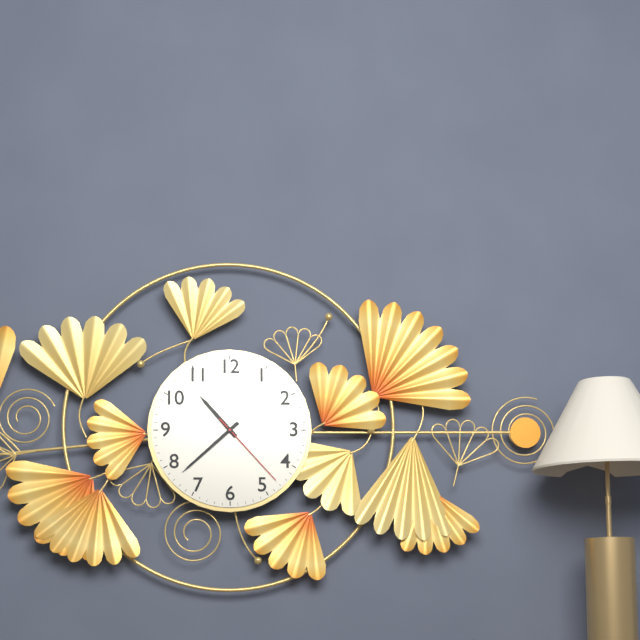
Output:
**10:38:23**
